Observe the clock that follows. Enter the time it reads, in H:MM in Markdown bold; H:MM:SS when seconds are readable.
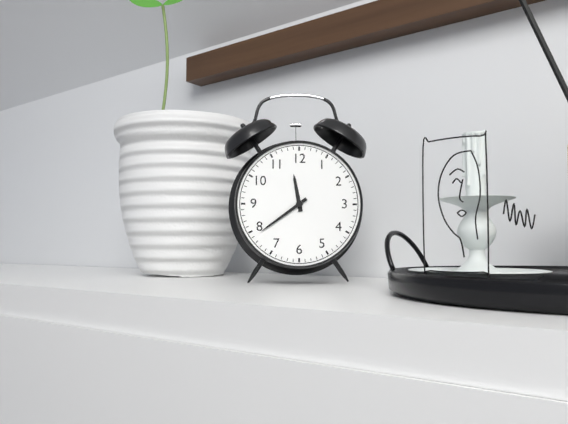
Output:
**11:39**
